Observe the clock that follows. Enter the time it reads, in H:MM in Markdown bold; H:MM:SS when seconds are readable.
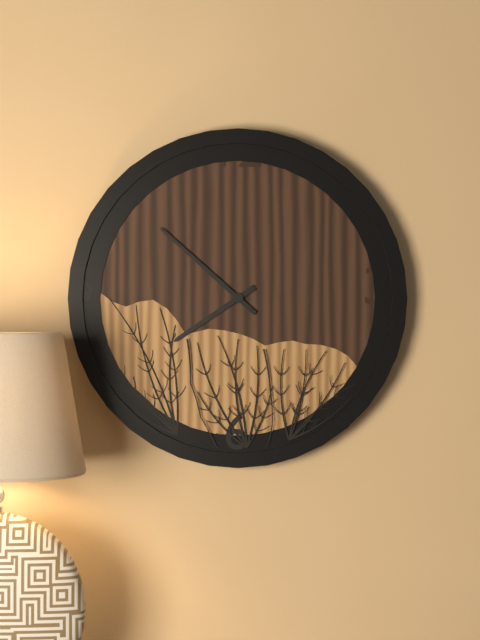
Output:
**7:52**
